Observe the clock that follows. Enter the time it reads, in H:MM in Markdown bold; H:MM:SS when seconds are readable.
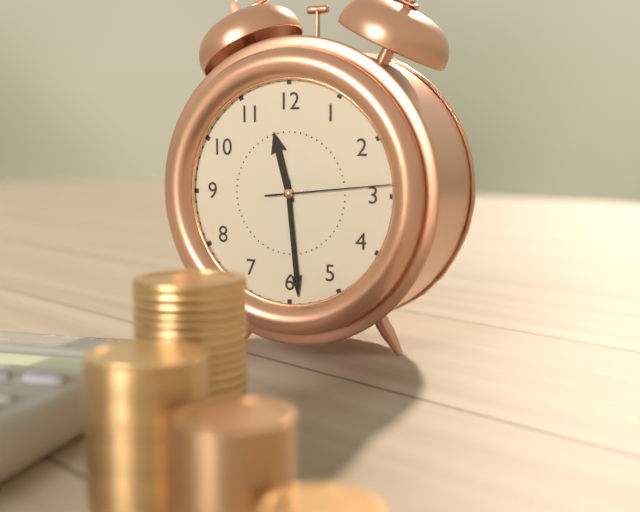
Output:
**11:29:14**
